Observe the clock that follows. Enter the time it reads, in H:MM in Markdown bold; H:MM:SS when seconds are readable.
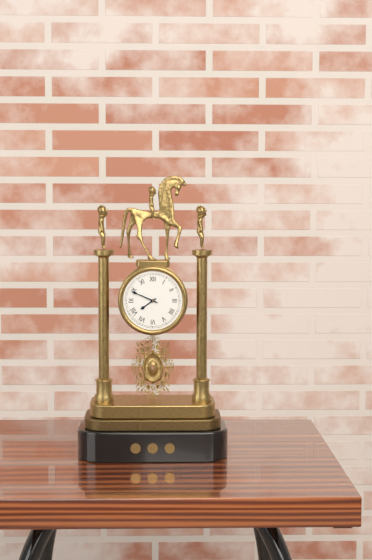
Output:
**7:49**
